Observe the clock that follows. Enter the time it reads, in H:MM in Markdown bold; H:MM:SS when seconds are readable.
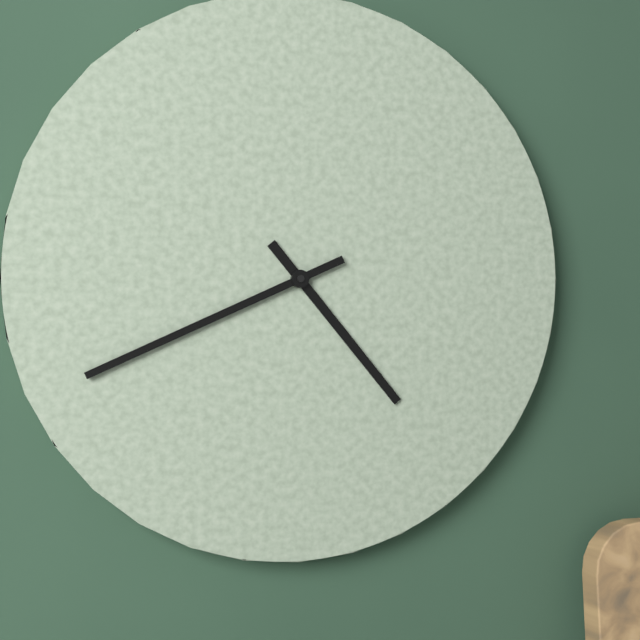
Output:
**4:41**
